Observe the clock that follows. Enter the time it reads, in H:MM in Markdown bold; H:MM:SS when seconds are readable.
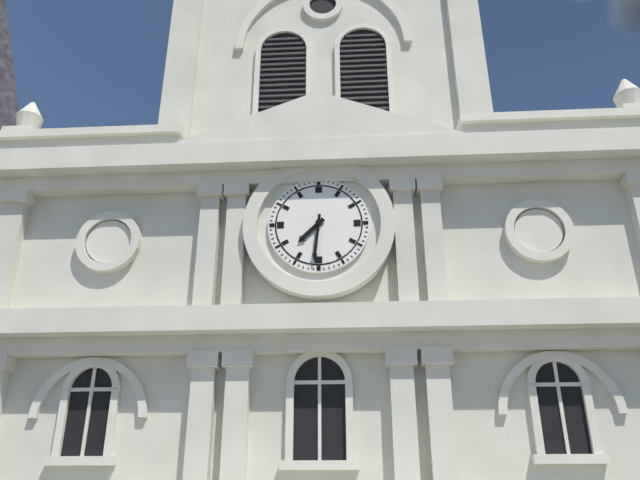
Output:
**7:31**
